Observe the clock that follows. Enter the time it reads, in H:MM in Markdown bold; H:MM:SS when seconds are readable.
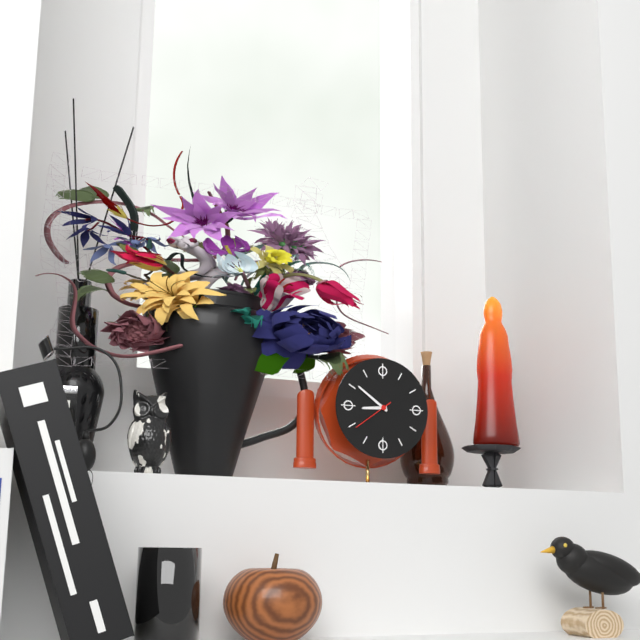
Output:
**8:51**
